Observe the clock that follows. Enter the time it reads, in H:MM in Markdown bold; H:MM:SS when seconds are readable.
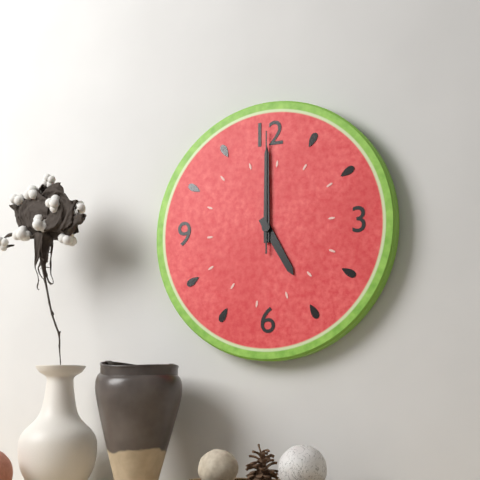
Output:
**5:00:00**
